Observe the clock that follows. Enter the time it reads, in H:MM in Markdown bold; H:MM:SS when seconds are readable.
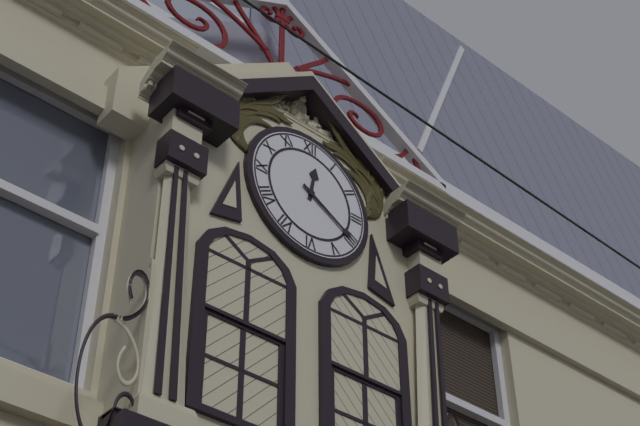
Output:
**12:20**
